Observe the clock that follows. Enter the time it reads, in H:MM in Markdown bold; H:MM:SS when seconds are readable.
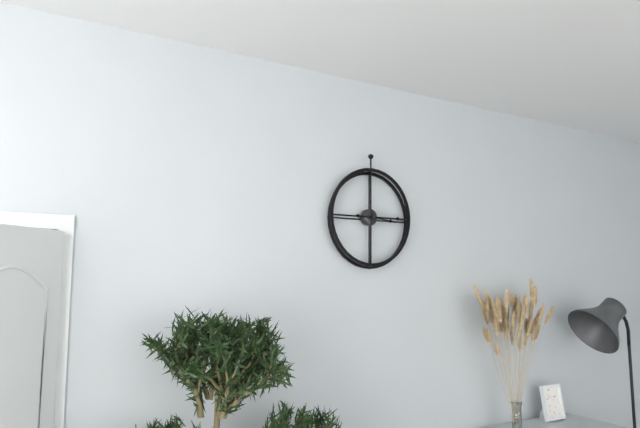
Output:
**3:15**
